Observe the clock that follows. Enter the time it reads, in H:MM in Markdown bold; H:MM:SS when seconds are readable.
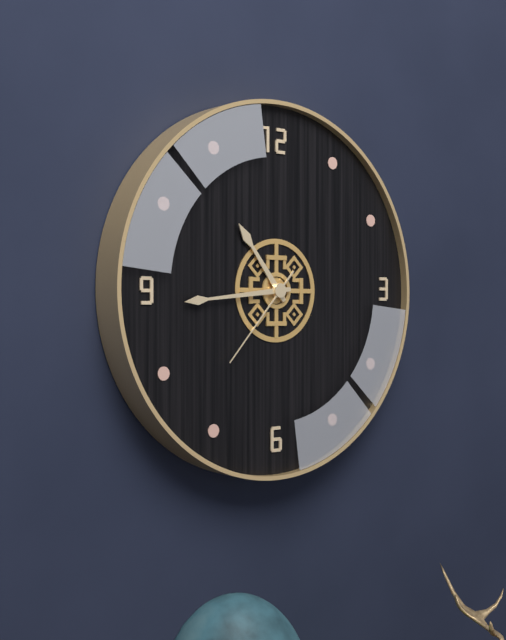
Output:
**10:44:37**
